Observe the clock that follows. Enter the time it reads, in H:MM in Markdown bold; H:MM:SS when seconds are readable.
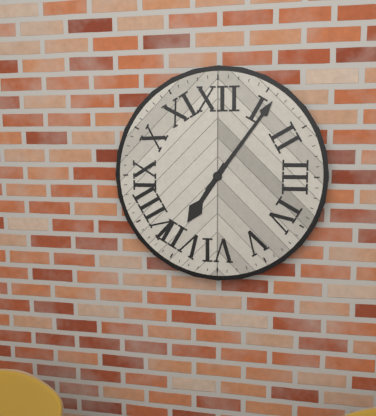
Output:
**7:06**
